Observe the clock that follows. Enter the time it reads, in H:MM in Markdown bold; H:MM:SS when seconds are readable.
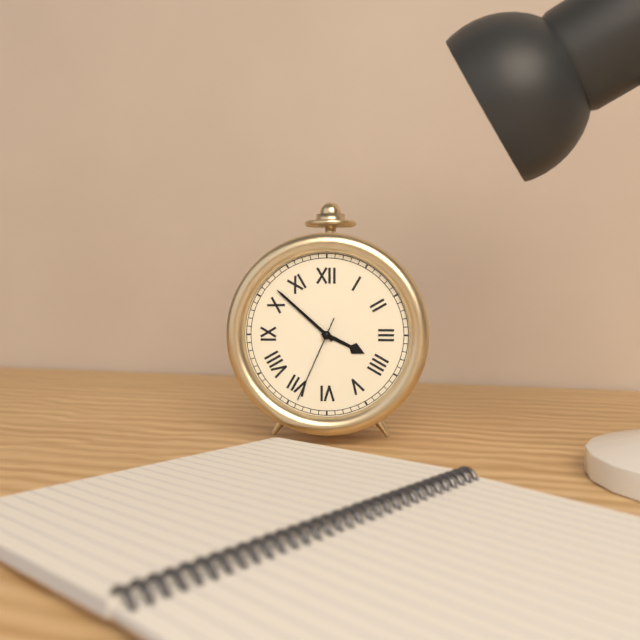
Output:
**3:52:34**
